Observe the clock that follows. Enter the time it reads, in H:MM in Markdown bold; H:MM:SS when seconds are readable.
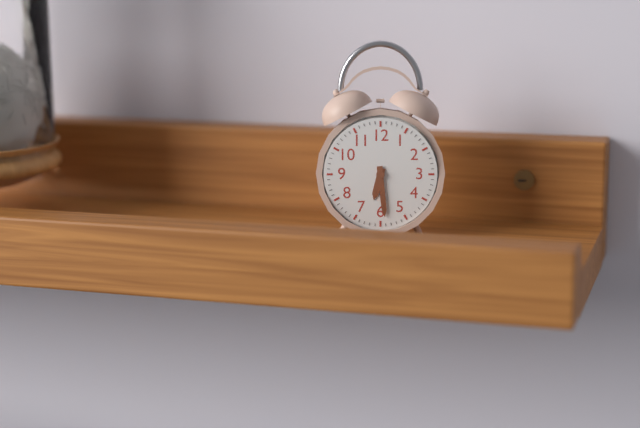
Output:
**6:29**
